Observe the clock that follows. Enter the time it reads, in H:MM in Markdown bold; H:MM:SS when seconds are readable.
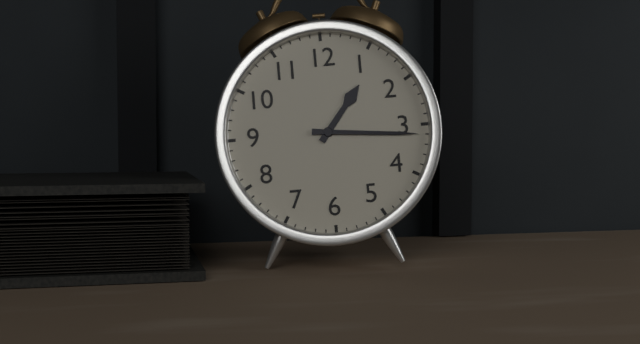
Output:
**1:16**
